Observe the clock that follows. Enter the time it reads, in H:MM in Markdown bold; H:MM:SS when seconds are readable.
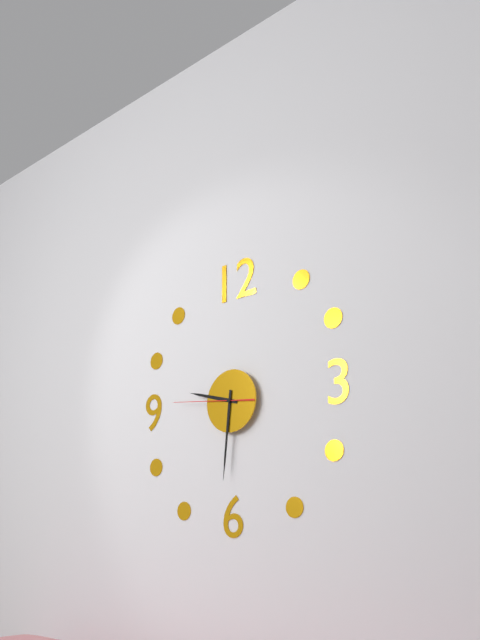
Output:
**9:31:46**
